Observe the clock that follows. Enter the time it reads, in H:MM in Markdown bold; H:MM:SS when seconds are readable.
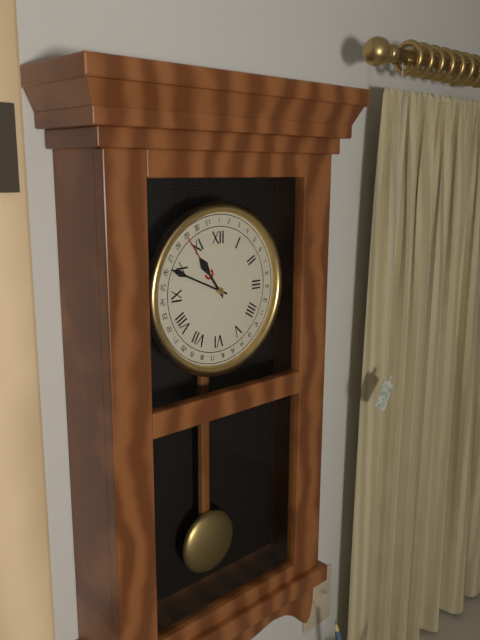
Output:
**10:49**
